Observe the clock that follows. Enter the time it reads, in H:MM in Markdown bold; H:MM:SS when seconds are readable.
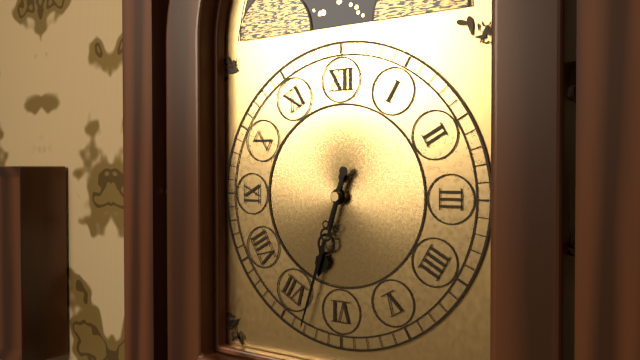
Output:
**6:33**
